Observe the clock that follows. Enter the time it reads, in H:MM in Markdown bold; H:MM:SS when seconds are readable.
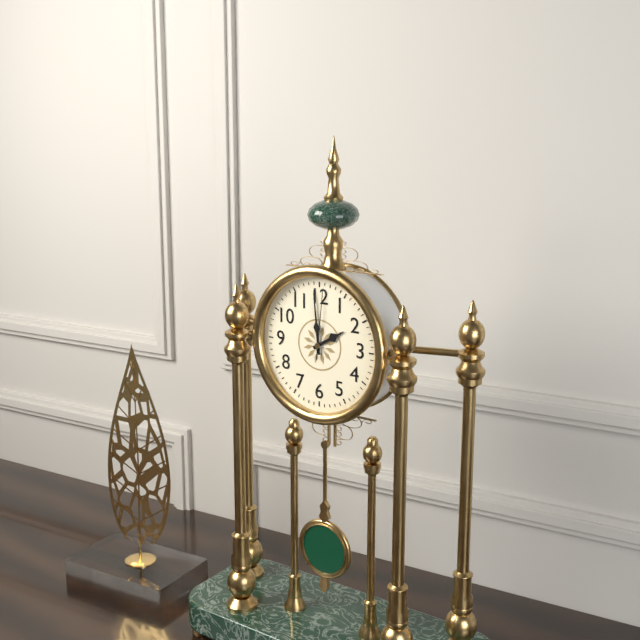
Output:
**1:59:01**
